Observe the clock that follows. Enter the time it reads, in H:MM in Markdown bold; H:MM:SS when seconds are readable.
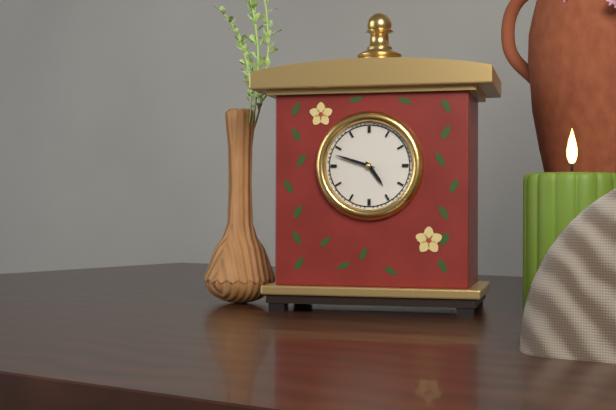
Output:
**4:48**
